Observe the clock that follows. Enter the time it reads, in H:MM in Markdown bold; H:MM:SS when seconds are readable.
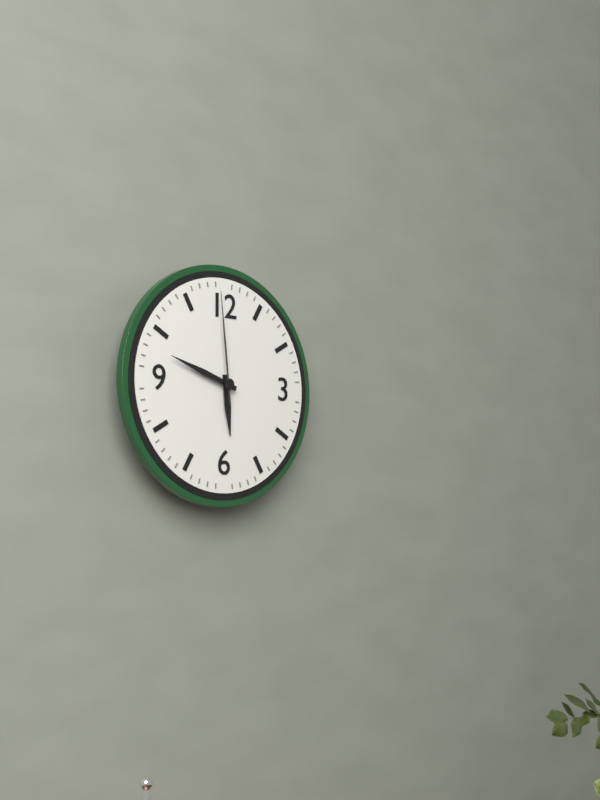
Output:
**5:48:59**
